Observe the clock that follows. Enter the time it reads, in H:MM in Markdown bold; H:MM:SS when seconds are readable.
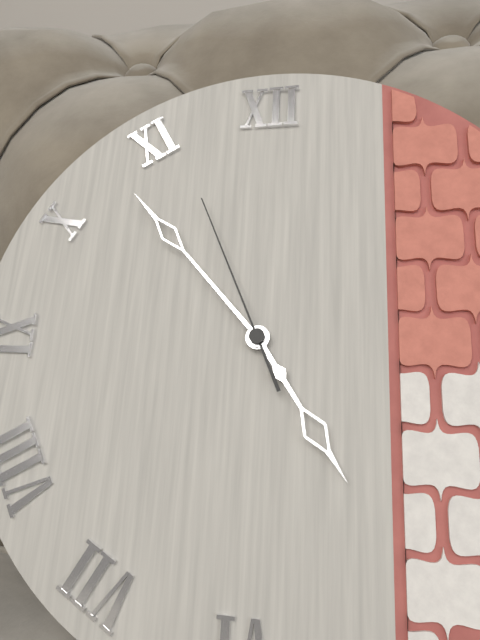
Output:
**4:53:56**
